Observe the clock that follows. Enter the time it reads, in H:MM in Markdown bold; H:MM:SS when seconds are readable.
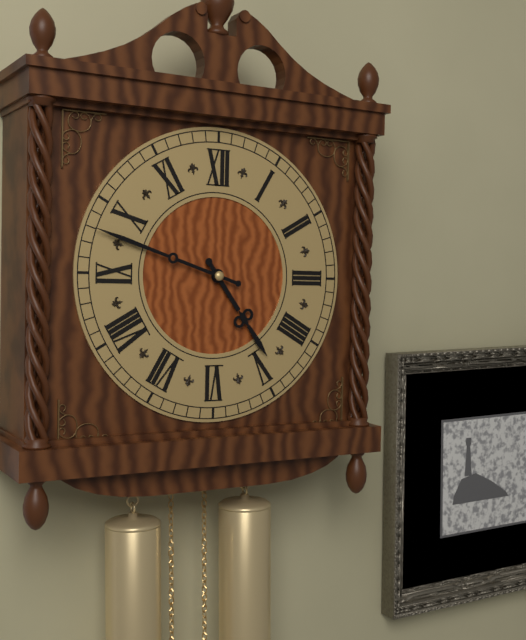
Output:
**4:48**
